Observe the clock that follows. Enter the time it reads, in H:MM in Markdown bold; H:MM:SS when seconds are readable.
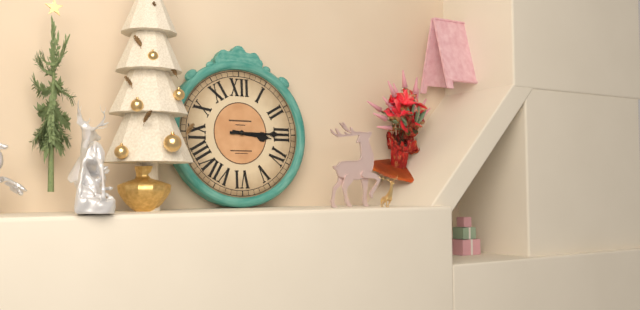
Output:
**3:15**
